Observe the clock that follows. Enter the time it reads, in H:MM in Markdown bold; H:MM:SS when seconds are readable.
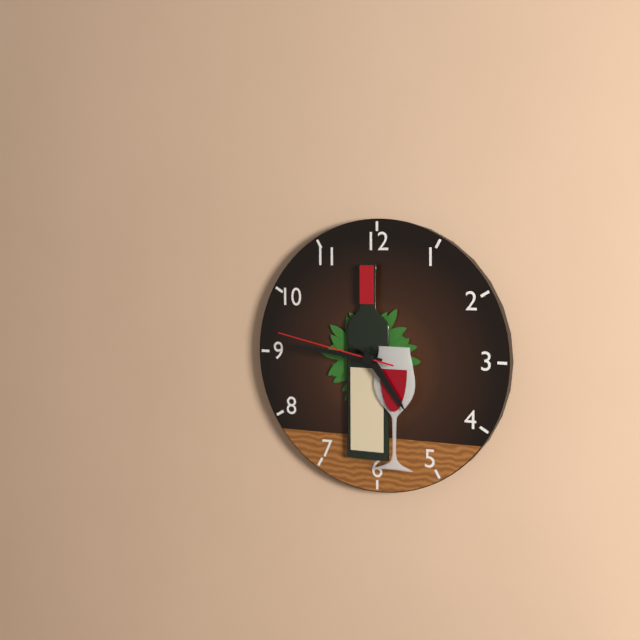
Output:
**4:46:47**
